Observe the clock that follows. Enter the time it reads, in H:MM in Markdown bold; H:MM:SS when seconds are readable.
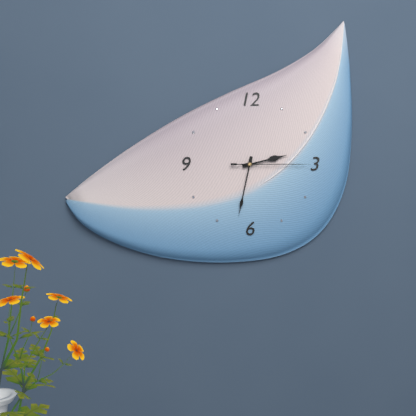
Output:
**2:32:15**
